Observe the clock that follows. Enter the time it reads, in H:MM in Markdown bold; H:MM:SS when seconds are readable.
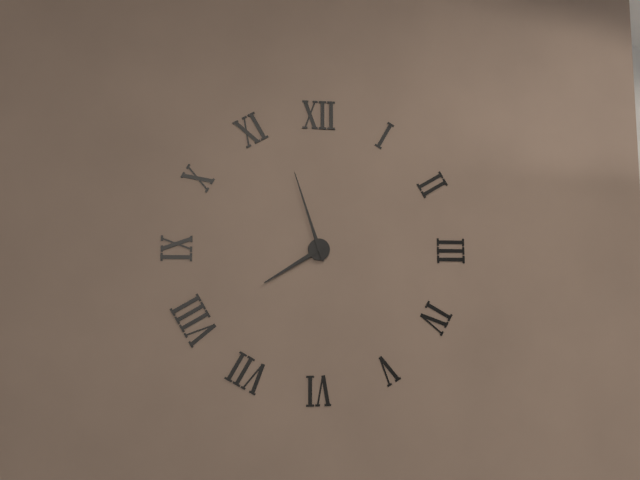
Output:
**7:57**
